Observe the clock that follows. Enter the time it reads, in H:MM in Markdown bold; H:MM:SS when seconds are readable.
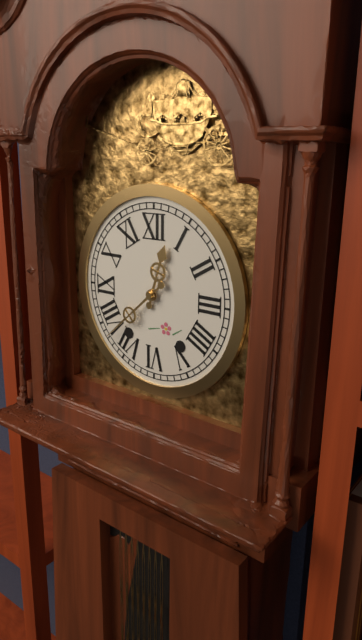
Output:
**12:38**
